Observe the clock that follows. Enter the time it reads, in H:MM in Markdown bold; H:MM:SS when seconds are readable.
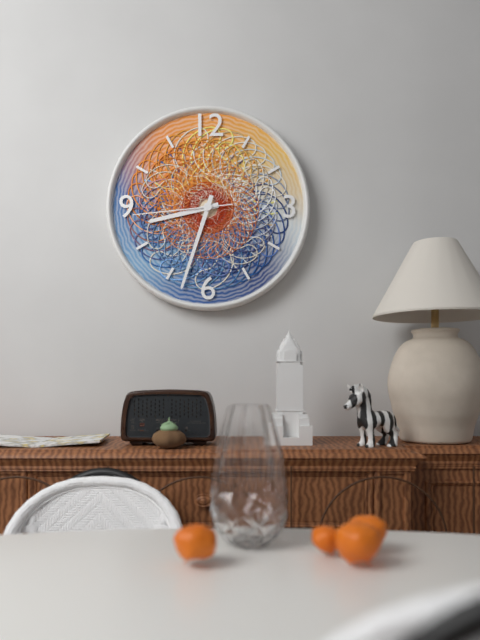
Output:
**8:33:44**
